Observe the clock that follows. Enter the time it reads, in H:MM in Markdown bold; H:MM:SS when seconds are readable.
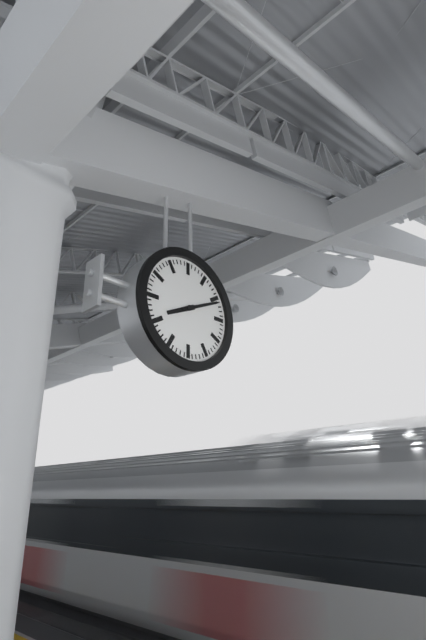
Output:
**8:11**
